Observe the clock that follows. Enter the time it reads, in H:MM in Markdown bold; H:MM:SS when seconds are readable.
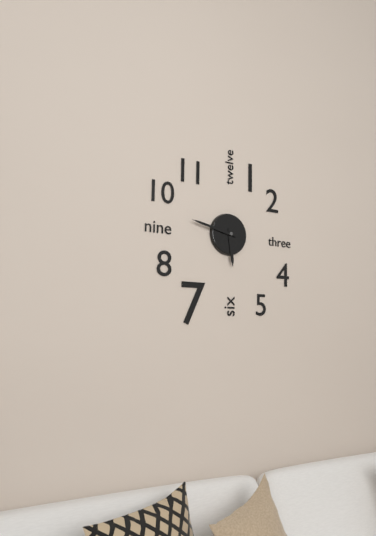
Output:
**5:47**
